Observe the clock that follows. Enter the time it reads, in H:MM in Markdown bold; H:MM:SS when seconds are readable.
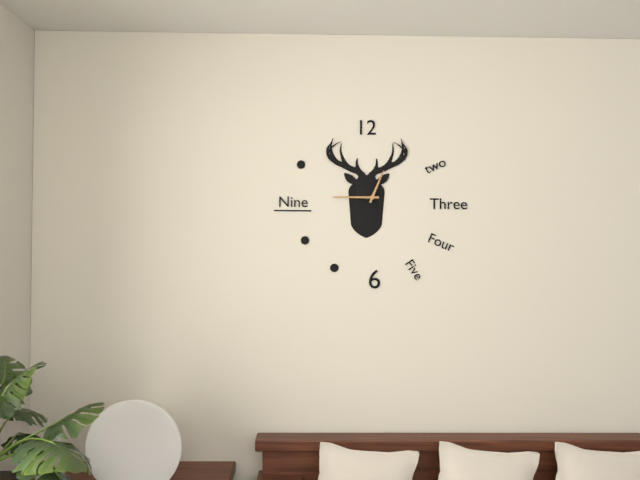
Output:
**12:45**
